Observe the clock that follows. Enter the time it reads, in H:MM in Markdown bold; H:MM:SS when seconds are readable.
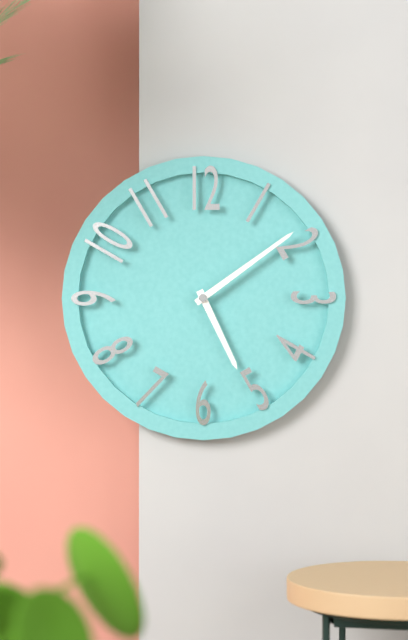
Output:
**5:09**
